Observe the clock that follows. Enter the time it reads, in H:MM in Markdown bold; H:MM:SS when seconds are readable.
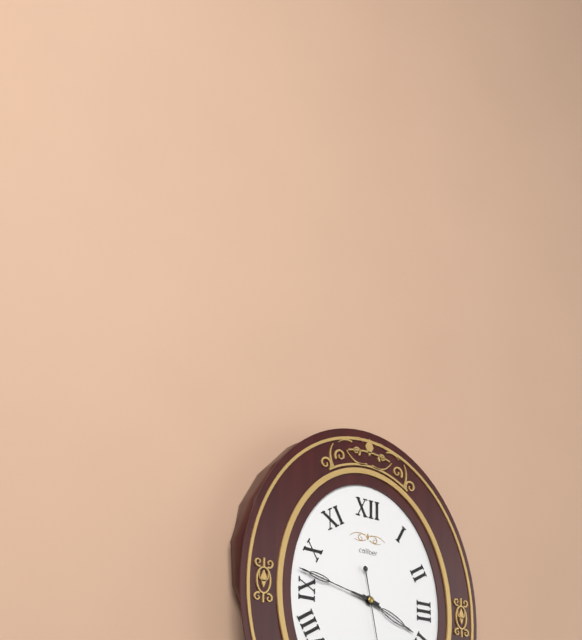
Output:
**3:47**
